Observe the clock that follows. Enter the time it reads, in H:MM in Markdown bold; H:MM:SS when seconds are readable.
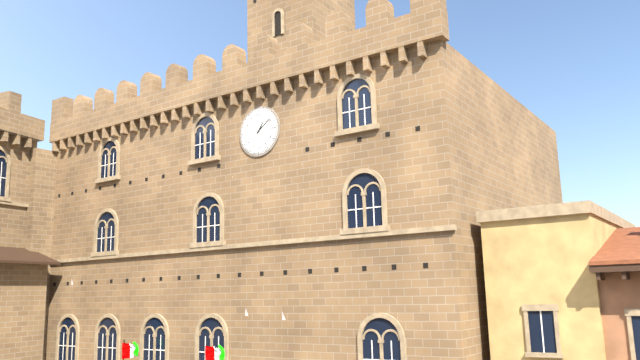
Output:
**1:09**
